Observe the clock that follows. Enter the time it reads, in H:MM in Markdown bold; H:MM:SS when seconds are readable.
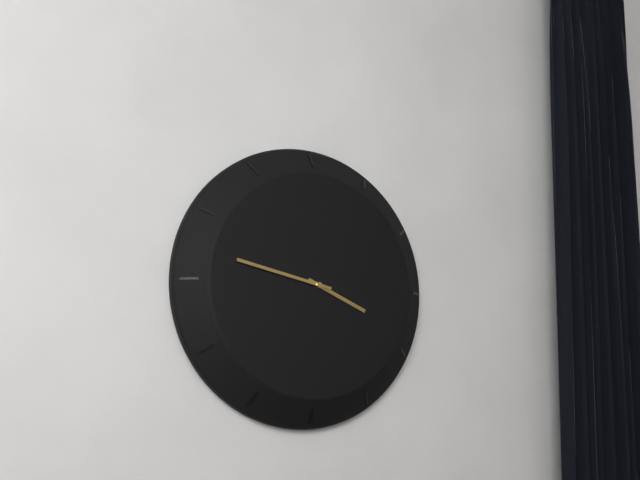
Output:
**3:47**
